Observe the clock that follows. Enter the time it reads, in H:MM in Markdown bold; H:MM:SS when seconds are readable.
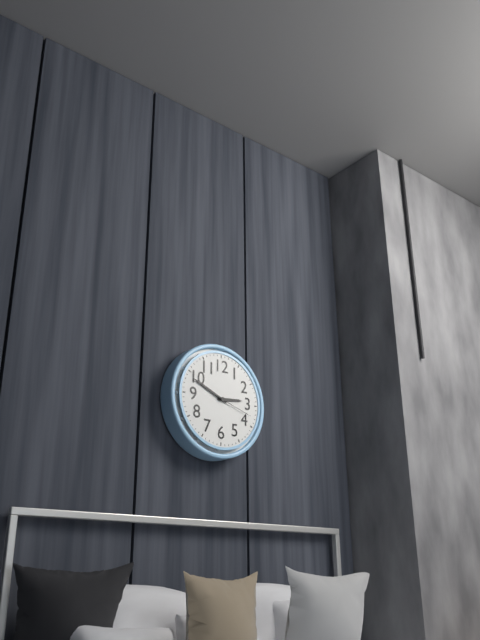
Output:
**2:49**
